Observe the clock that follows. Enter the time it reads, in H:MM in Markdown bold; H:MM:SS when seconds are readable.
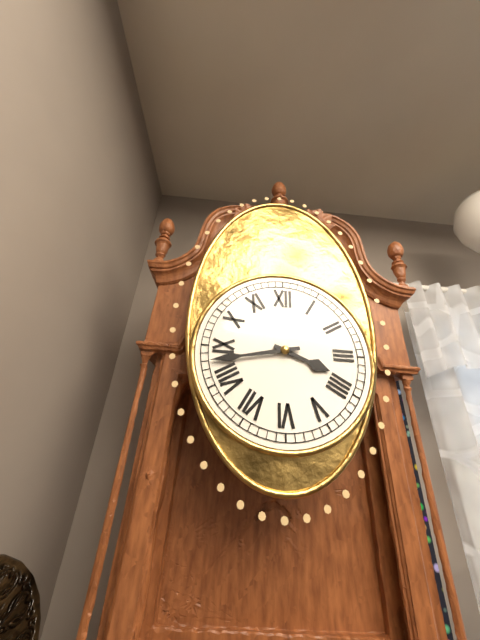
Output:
**3:43**
